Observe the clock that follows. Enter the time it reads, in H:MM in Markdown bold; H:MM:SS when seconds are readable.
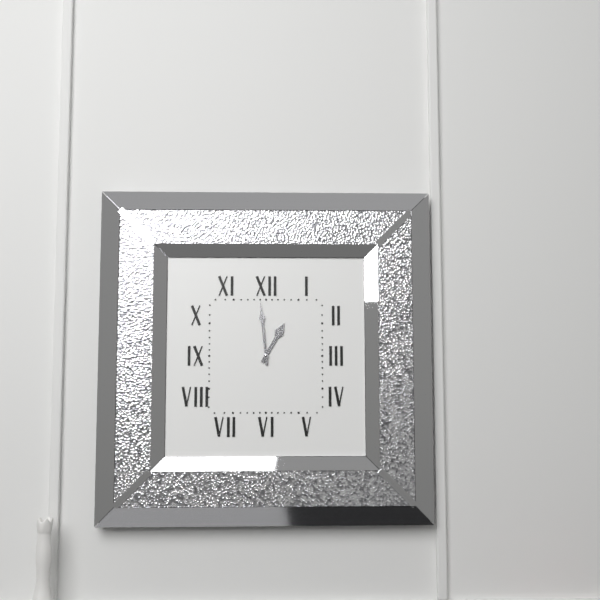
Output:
**12:59**
